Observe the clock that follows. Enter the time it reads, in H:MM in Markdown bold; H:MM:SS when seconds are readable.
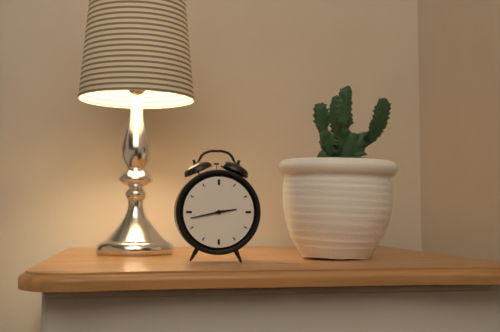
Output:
**2:43**
